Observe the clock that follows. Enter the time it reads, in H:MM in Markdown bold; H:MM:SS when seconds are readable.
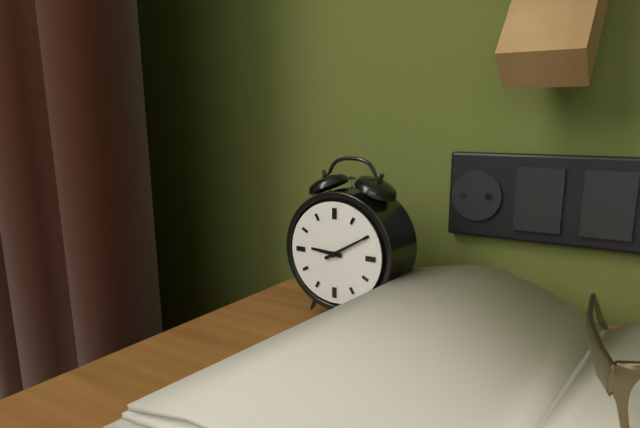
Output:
**9:10**
